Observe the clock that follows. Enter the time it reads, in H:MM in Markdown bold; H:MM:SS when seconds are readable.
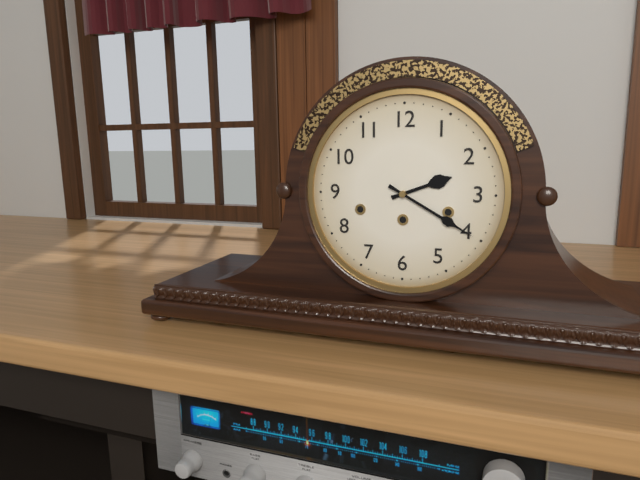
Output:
**2:20**
